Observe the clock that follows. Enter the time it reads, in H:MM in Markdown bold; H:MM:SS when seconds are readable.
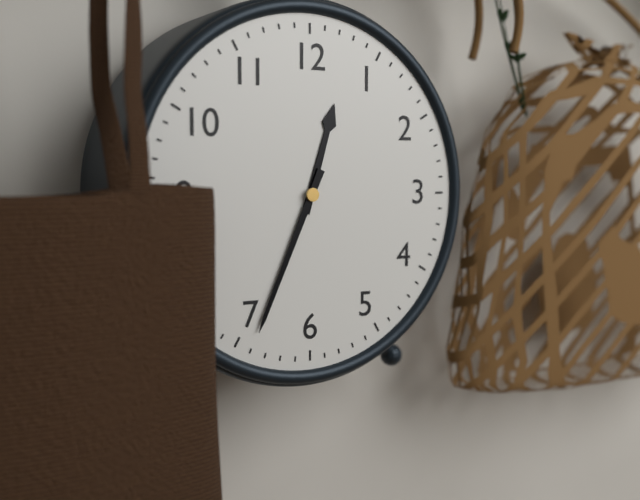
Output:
**12:34**
